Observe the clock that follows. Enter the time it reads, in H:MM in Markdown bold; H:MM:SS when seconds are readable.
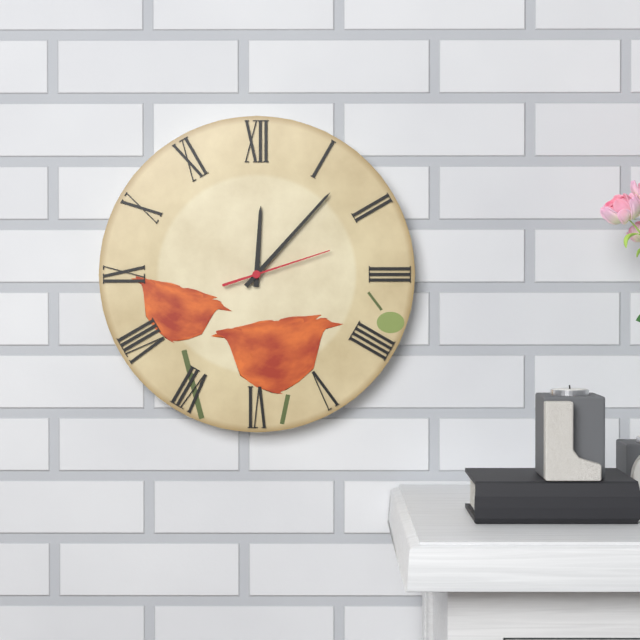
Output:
**12:07:12**
